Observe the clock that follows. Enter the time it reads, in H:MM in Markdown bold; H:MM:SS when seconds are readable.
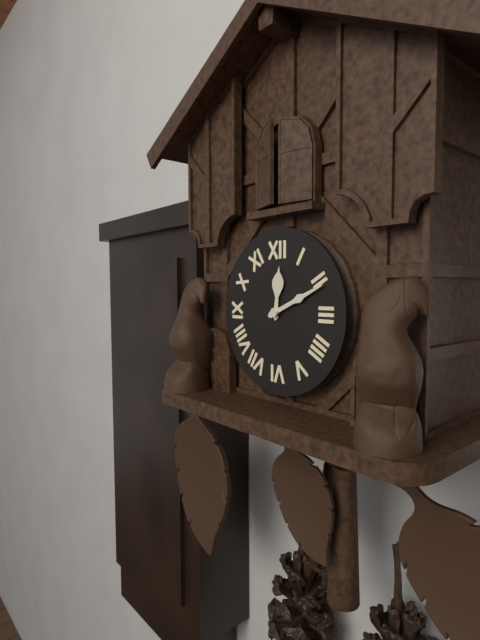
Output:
**12:11**
